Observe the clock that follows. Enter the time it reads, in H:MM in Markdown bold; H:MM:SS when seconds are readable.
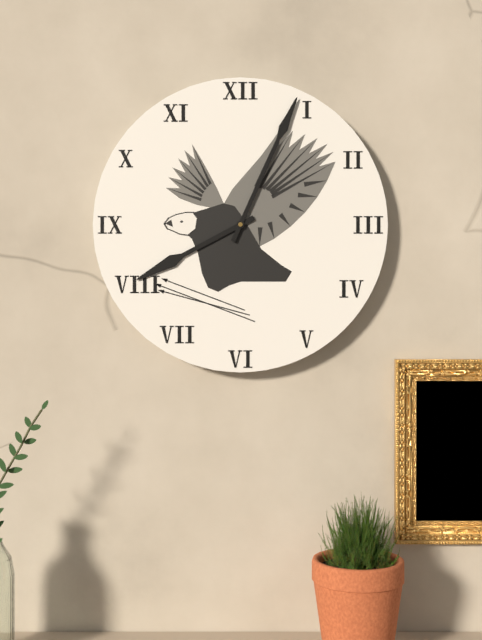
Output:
**8:04**
